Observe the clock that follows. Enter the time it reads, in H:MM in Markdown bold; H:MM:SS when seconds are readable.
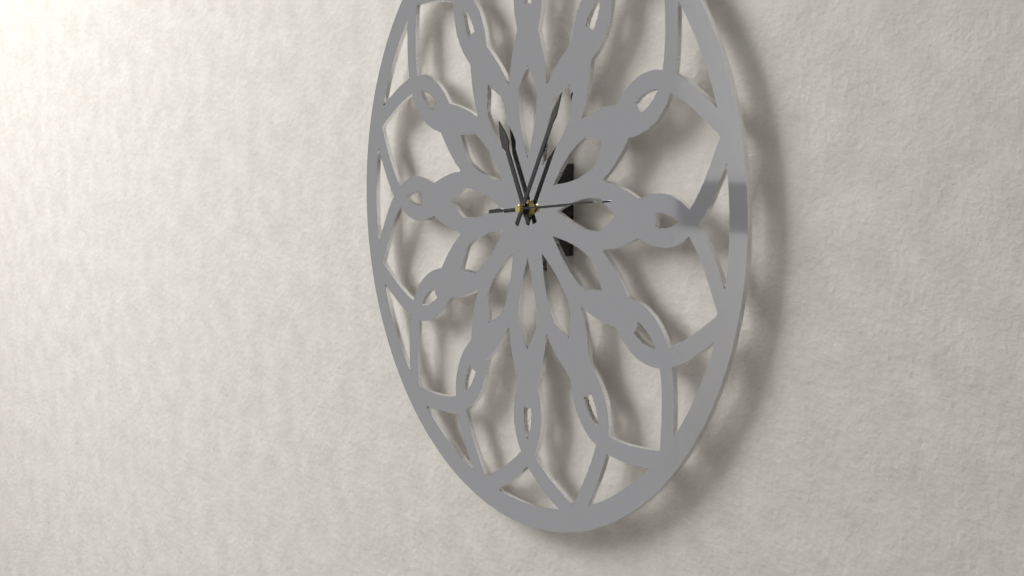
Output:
**11:05:14**
